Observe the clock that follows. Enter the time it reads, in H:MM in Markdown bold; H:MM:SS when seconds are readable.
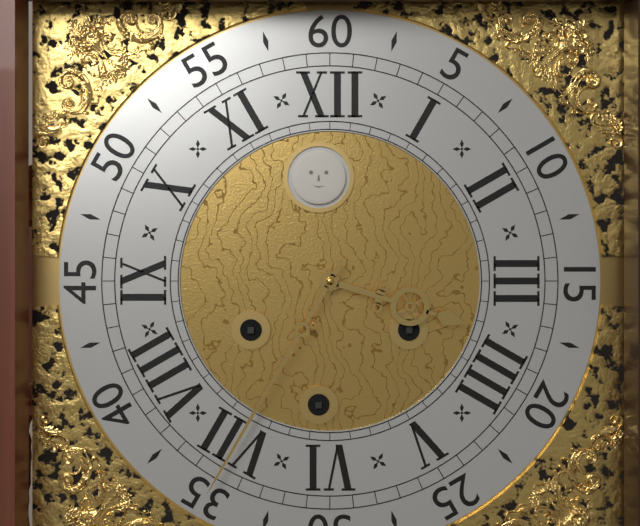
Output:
**3:35**
